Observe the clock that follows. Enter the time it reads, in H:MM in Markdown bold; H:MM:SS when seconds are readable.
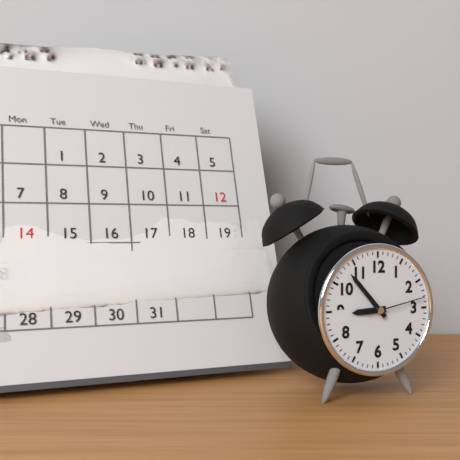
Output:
**8:53:13**
